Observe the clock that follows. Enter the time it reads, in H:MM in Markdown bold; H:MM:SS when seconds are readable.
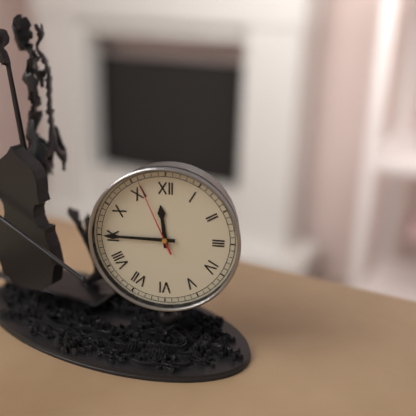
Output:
**11:45:56**
